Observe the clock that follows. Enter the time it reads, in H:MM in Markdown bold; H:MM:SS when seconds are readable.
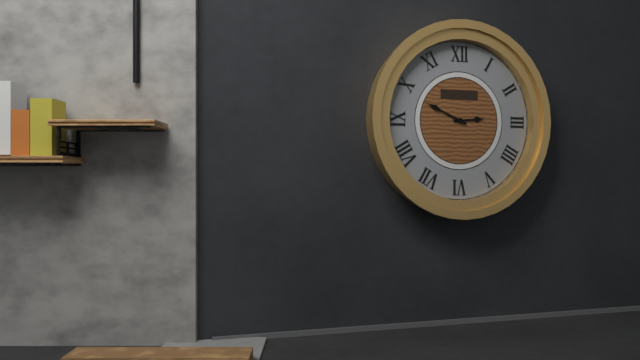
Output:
**2:49**
